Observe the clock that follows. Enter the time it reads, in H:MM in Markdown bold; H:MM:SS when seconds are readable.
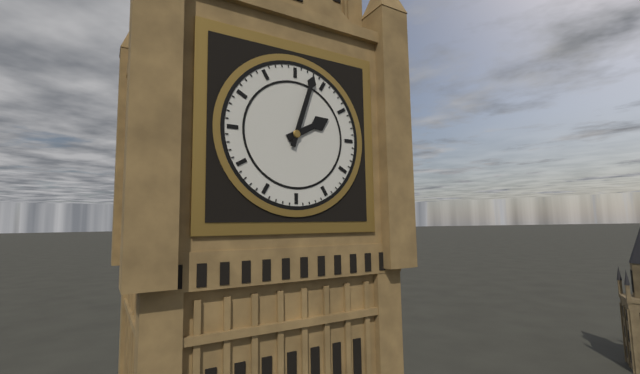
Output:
**2:03**
